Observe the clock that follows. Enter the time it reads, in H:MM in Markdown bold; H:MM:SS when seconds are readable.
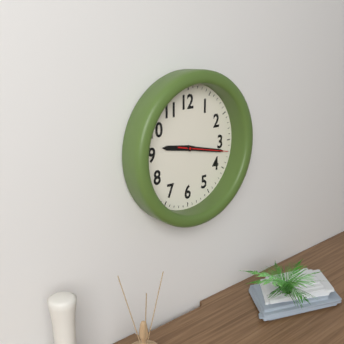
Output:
**9:17:17**
